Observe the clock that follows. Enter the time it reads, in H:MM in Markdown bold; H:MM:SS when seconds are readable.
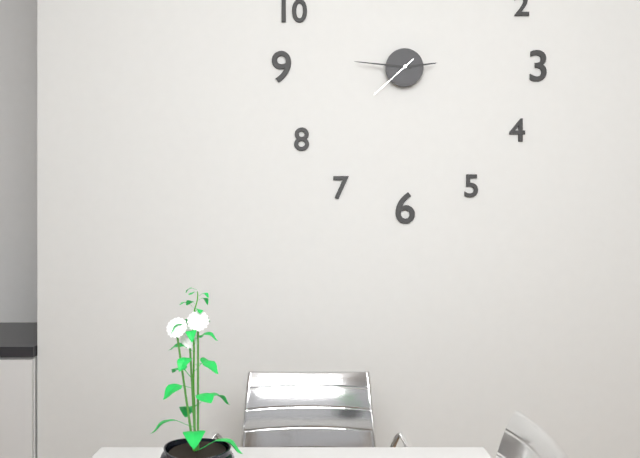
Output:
**2:46:38**
